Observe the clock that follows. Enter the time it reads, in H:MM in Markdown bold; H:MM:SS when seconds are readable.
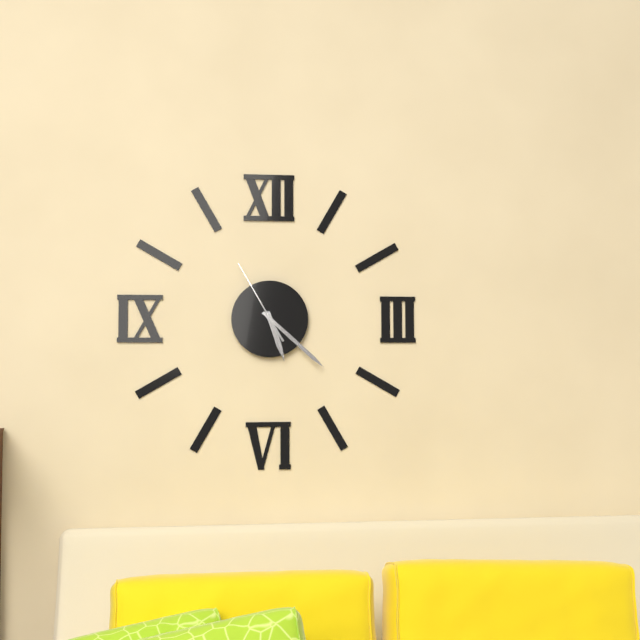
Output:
**5:22:55**
